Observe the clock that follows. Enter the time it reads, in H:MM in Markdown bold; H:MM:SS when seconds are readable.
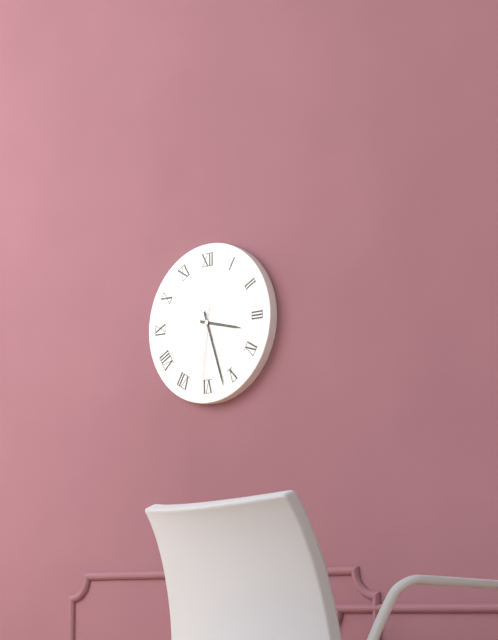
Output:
**3:27:31**
